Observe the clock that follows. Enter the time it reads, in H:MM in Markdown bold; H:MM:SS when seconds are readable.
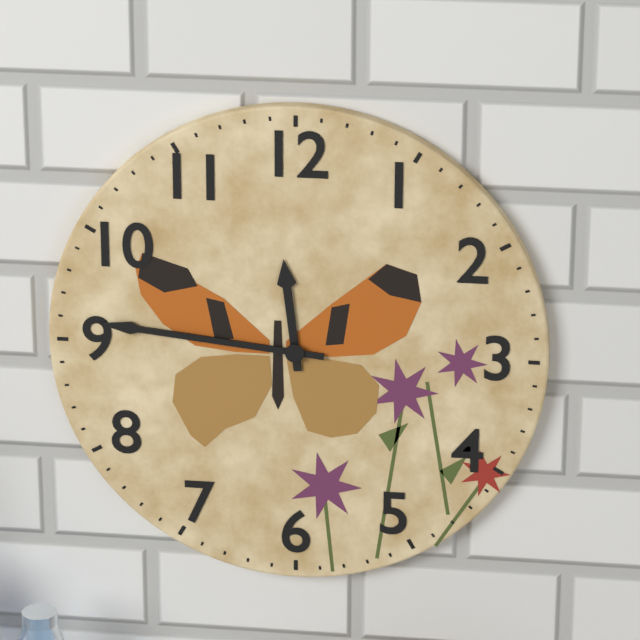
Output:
**11:46**
